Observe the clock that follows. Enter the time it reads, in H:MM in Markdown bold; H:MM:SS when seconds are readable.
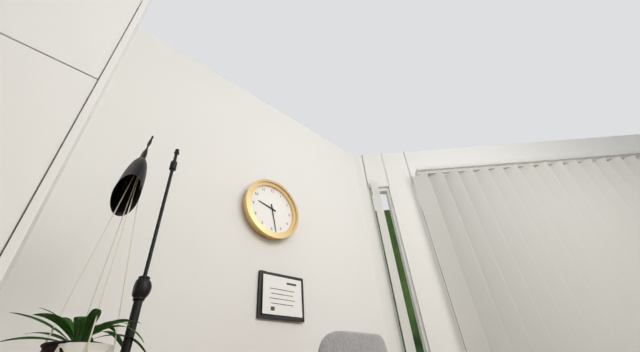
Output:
**9:28**
